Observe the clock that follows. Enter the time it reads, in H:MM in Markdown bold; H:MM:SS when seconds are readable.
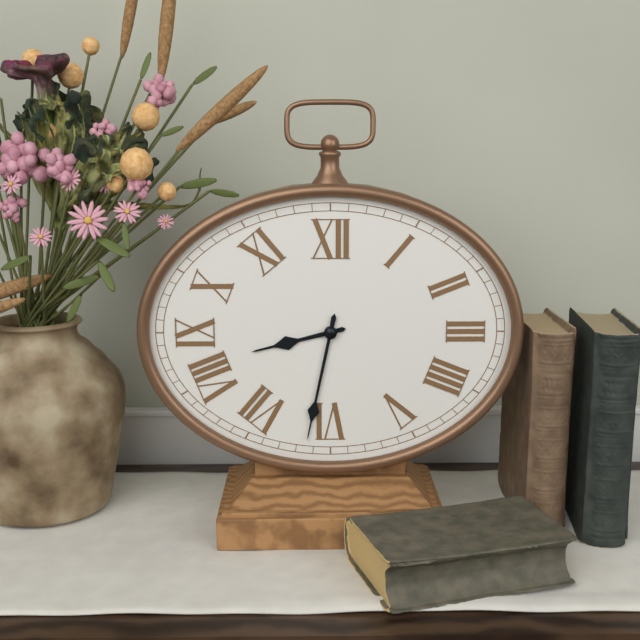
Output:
**8:32**
